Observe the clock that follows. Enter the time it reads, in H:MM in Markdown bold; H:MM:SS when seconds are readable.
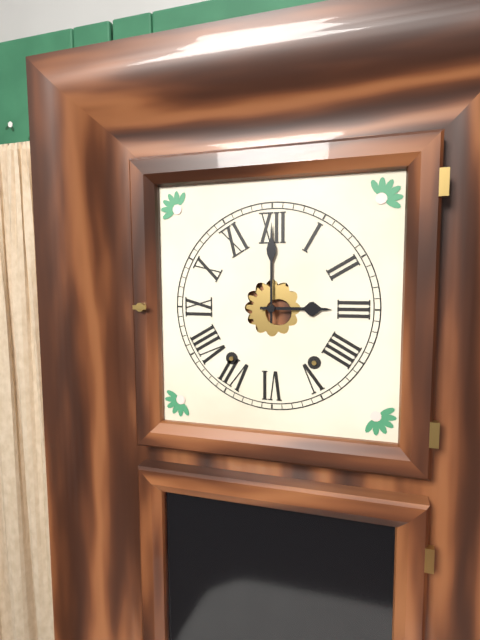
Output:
**3:00**
